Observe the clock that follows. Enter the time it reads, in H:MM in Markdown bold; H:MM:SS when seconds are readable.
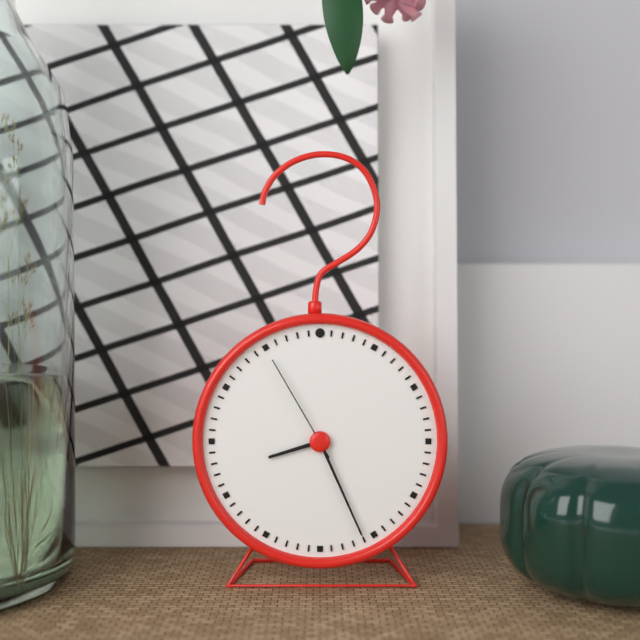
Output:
**8:26:55**
